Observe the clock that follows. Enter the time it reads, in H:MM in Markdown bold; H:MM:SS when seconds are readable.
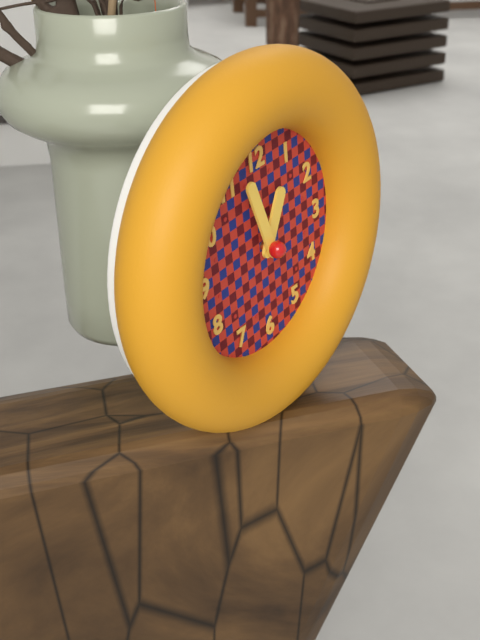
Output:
**12:57**
